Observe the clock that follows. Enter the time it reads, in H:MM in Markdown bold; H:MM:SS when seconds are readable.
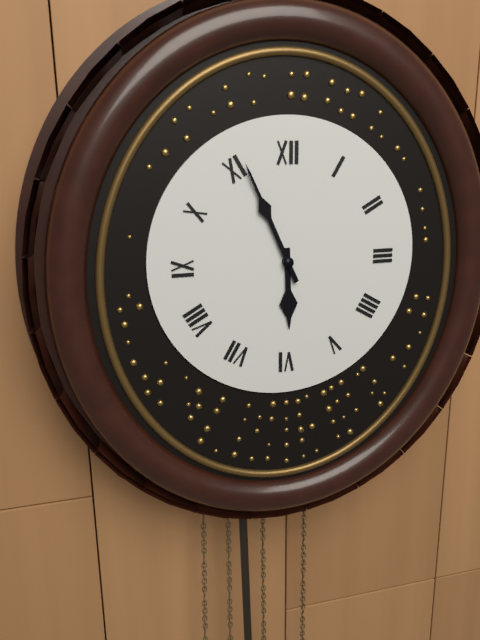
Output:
**5:56**
